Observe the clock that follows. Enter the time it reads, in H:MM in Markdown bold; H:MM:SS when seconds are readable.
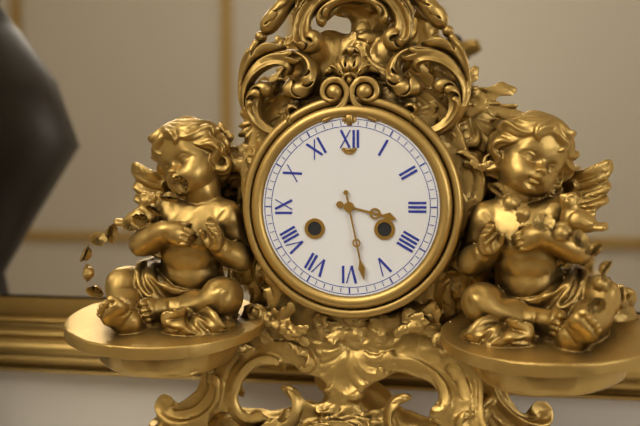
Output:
**3:28**
